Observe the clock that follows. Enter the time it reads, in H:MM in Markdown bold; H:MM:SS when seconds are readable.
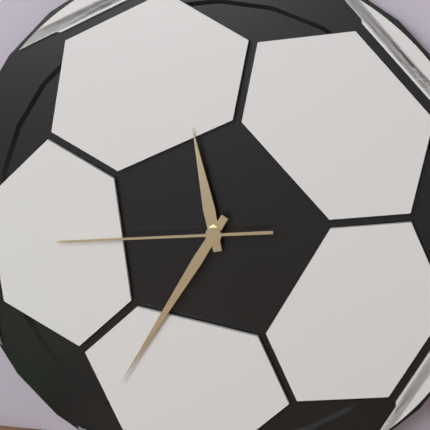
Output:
**11:35:44**
